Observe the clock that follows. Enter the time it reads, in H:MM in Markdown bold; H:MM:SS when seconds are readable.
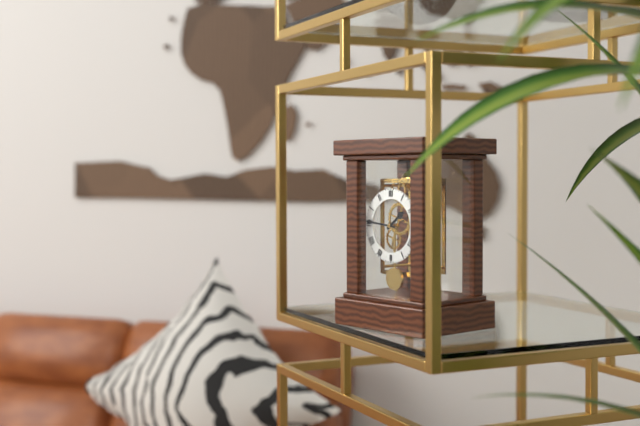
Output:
**1:46**
